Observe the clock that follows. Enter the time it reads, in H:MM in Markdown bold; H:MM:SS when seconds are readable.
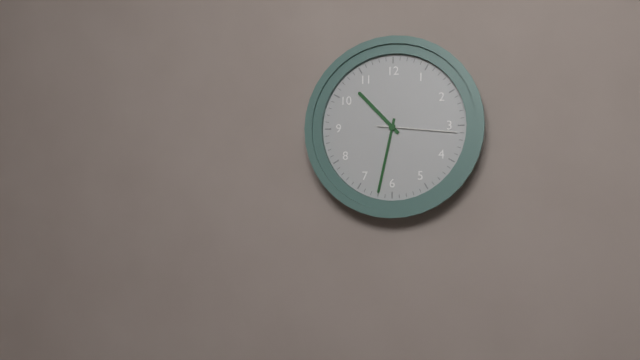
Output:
**10:32:16**
